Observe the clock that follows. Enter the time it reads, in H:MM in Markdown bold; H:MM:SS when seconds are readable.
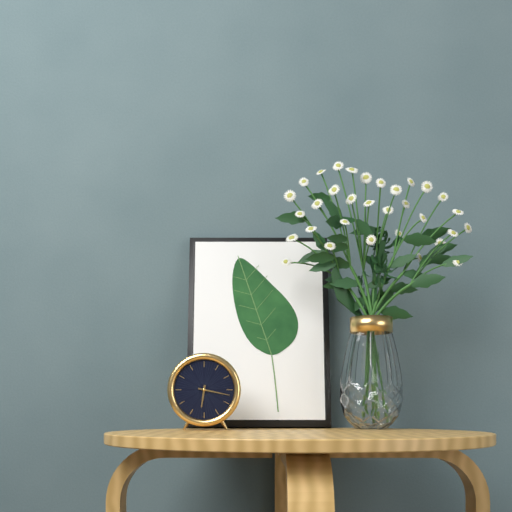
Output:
**6:17**
